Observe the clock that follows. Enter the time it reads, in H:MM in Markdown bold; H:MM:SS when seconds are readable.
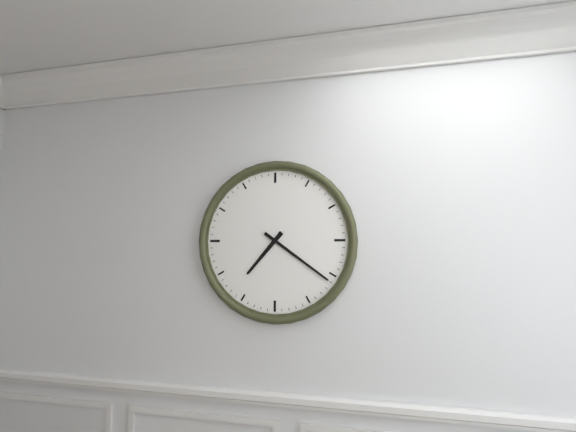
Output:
**7:21**
